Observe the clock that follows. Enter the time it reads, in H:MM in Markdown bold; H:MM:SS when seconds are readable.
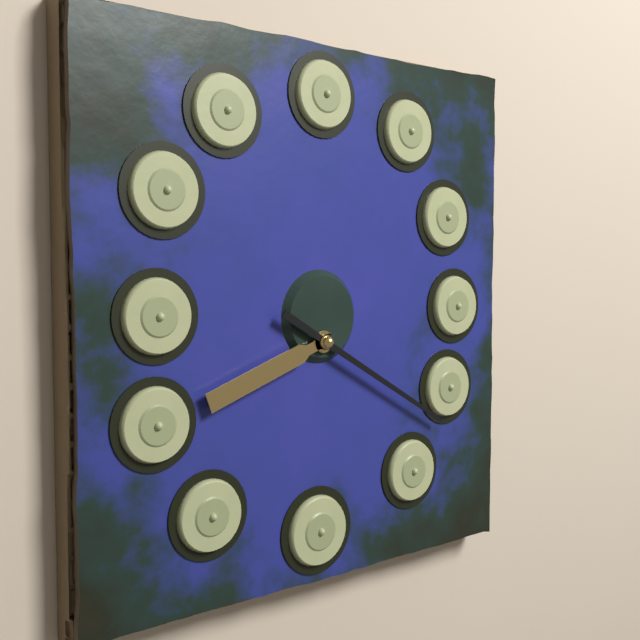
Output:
**8:20**
